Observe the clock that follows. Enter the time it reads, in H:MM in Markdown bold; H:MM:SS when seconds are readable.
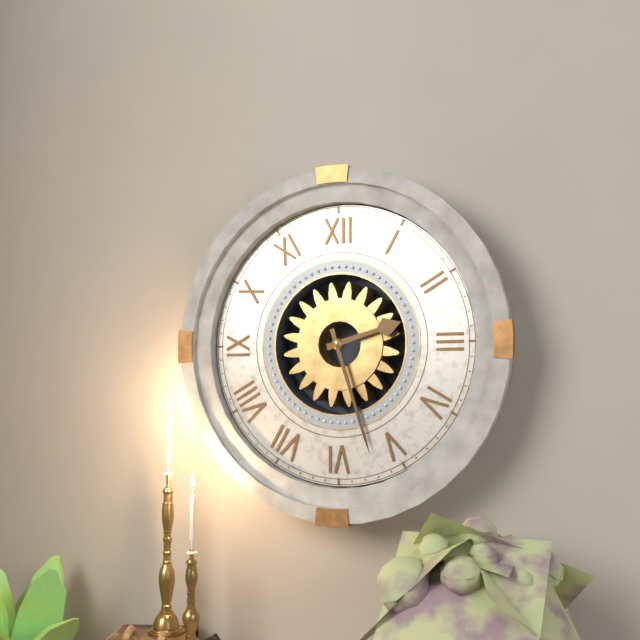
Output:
**2:27**
